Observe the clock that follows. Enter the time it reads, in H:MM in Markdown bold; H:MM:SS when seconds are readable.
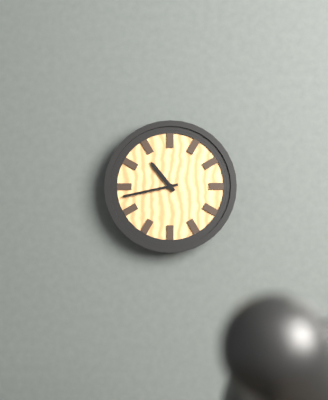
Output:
**10:43**
